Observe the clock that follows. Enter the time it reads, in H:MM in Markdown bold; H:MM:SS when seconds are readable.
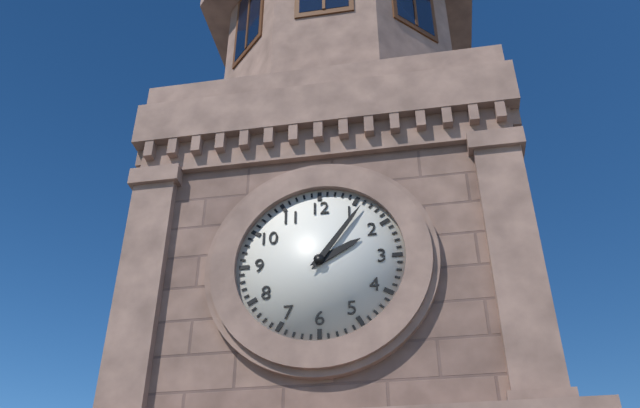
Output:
**2:06**
